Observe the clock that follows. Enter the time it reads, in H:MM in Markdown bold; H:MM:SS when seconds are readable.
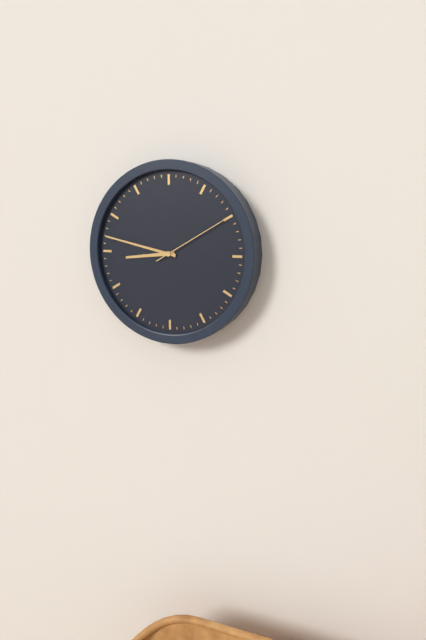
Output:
**8:47:10**
